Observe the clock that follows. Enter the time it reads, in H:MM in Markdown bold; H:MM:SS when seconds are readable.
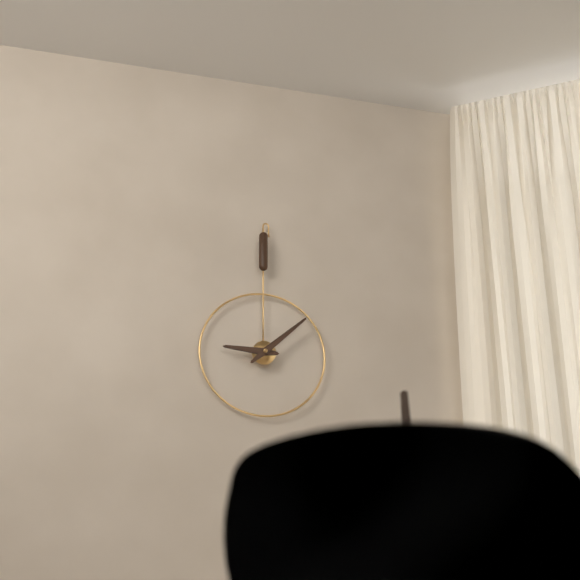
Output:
**9:08**
